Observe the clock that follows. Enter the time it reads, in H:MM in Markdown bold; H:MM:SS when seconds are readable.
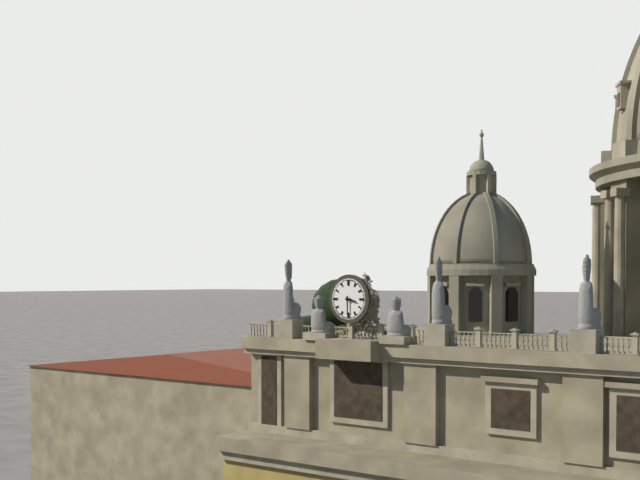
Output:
**3:30**
